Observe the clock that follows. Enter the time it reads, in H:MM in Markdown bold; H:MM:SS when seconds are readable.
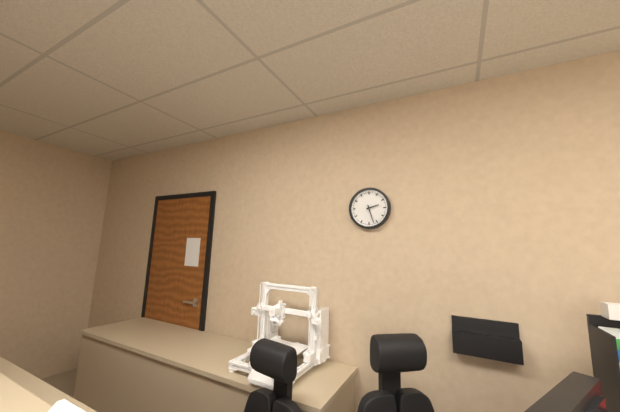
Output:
**2:27**
